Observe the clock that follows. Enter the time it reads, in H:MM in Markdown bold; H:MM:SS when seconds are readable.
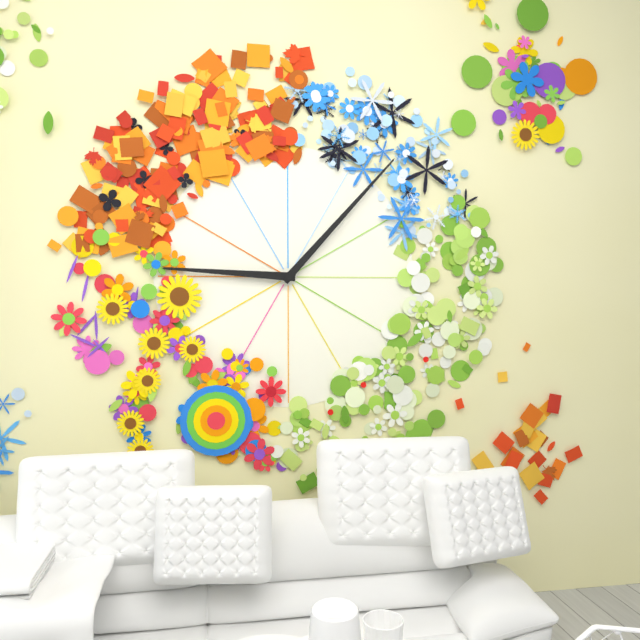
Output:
**9:07**
